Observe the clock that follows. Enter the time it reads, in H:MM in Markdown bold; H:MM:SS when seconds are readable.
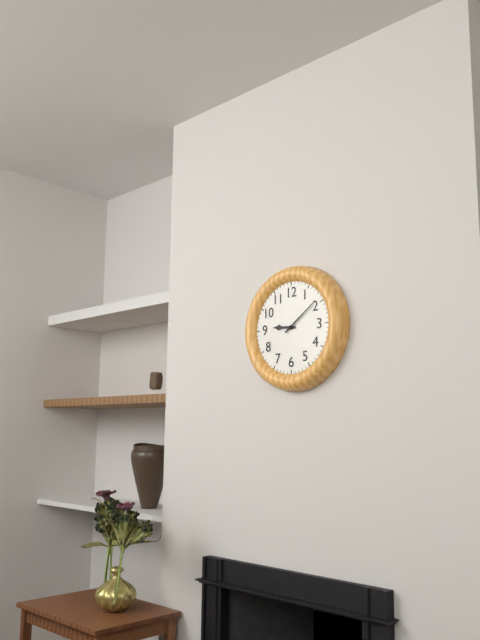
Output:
**9:09**
